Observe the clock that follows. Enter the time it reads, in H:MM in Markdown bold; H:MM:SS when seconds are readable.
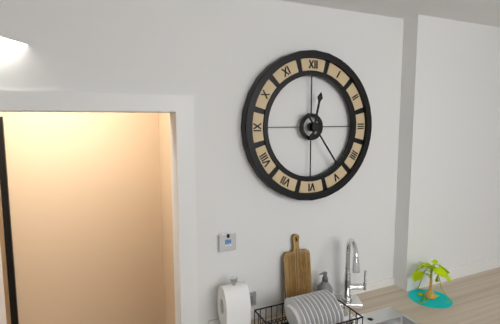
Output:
**12:24**
